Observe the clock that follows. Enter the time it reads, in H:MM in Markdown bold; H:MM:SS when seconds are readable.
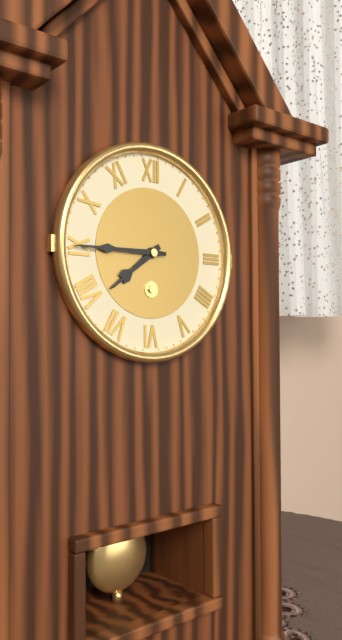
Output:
**7:45**
